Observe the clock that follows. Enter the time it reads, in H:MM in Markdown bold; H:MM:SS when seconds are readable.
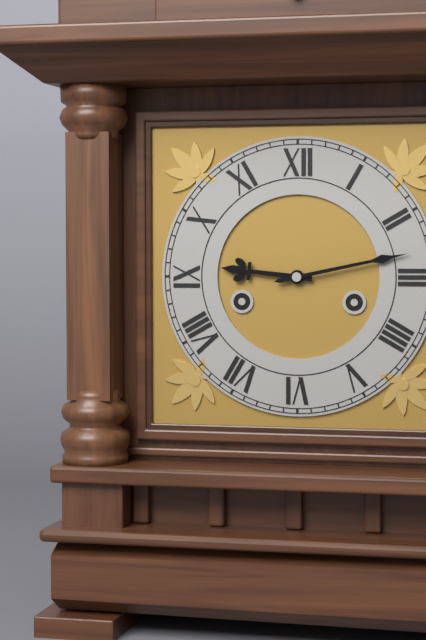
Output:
**9:13**
